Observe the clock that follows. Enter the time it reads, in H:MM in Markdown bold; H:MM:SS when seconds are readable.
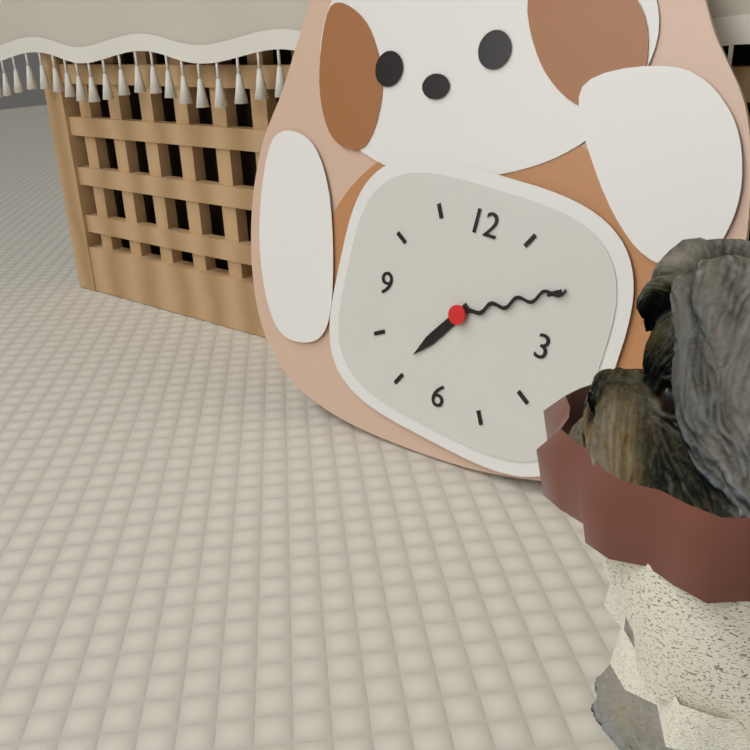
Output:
**7:10**
